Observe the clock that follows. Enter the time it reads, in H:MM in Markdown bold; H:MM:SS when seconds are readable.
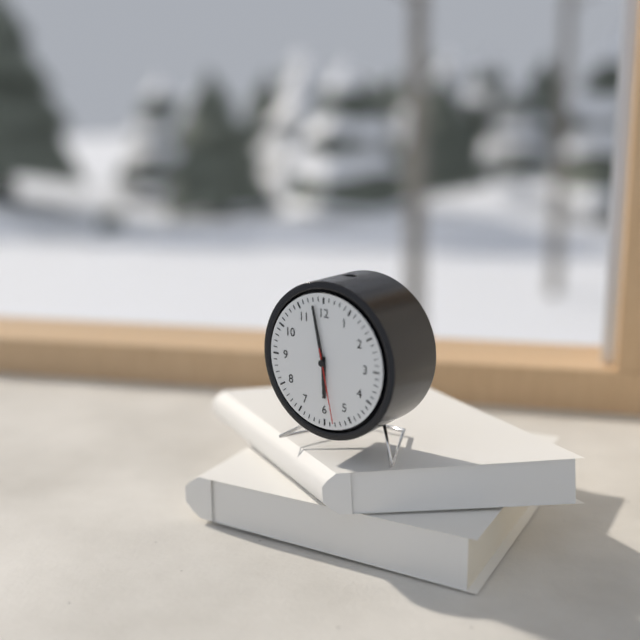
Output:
**5:58:28**
